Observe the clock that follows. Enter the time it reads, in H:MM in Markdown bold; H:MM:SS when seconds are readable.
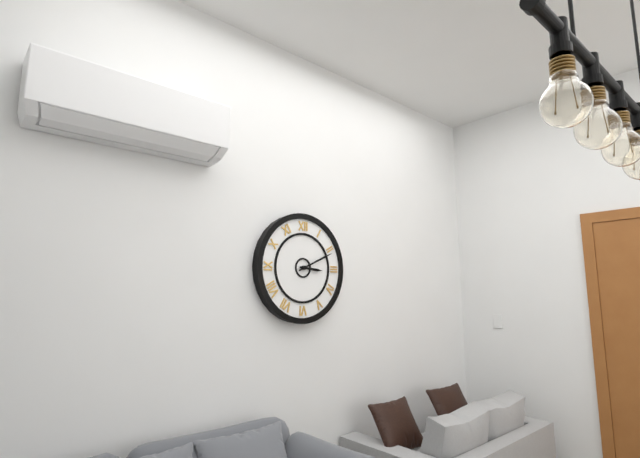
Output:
**3:11**
